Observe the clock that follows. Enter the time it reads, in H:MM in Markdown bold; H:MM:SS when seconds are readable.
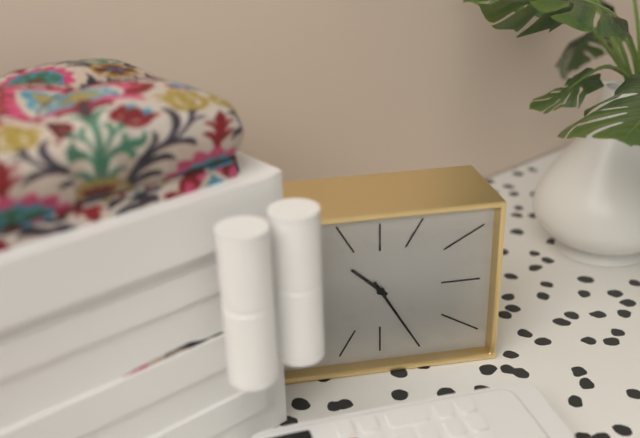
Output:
**10:25**
